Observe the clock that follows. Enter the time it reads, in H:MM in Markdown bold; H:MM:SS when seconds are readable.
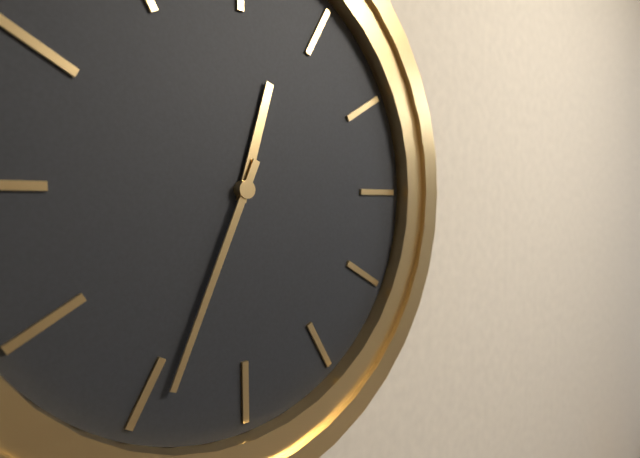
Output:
**12:34**
